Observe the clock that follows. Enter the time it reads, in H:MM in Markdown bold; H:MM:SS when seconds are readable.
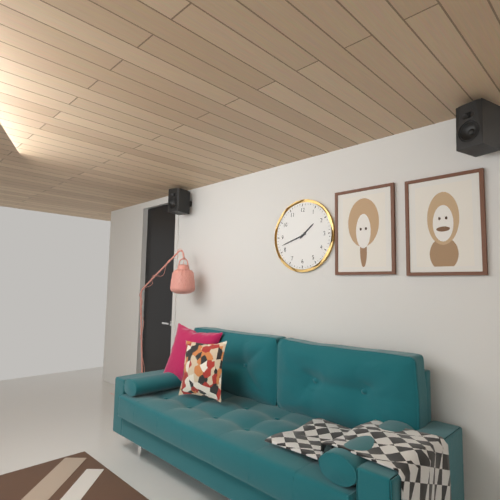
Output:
**1:42**
